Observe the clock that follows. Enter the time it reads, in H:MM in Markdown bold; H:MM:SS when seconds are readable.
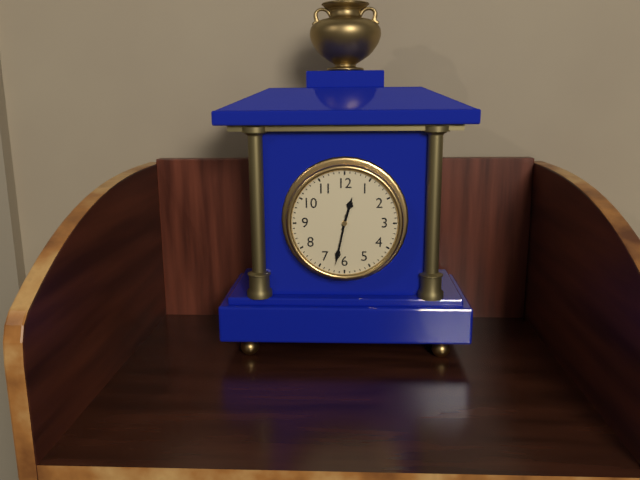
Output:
**12:32**
